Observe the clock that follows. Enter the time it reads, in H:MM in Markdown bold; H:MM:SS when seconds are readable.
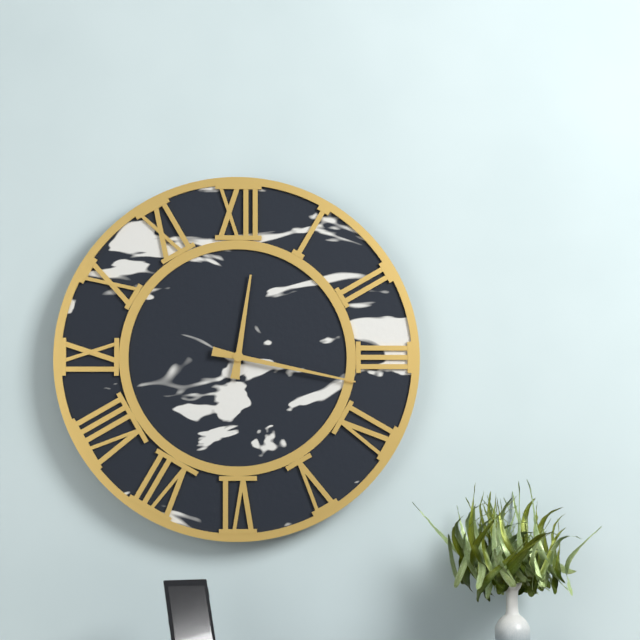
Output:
**12:17**
